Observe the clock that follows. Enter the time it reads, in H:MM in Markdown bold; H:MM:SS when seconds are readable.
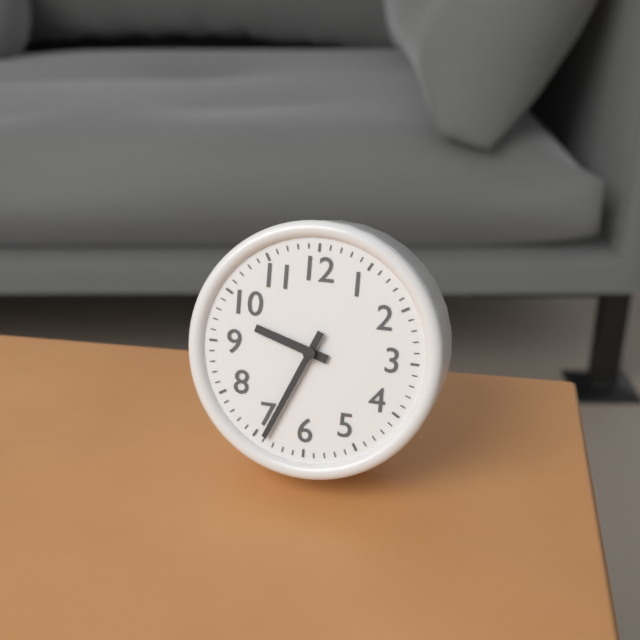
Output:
**9:34**
